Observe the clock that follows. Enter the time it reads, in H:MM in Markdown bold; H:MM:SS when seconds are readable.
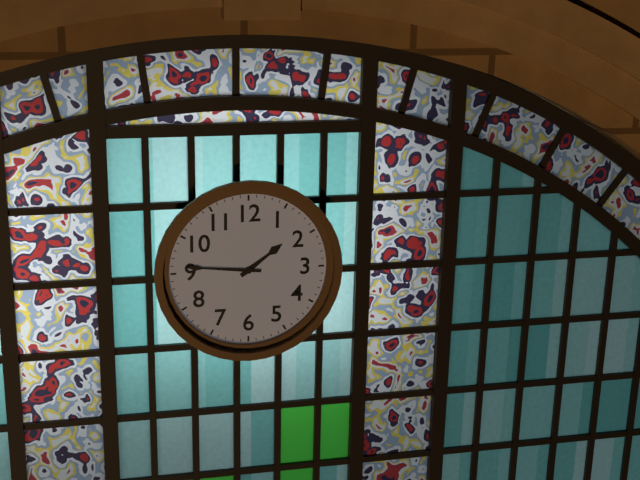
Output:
**1:46**
